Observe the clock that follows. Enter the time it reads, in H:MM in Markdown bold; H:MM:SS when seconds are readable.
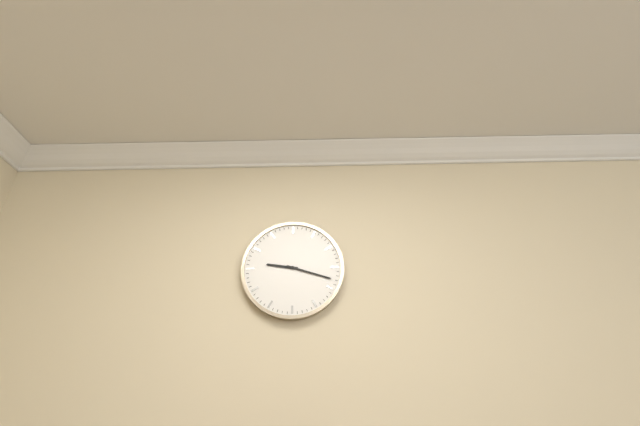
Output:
**9:18**
